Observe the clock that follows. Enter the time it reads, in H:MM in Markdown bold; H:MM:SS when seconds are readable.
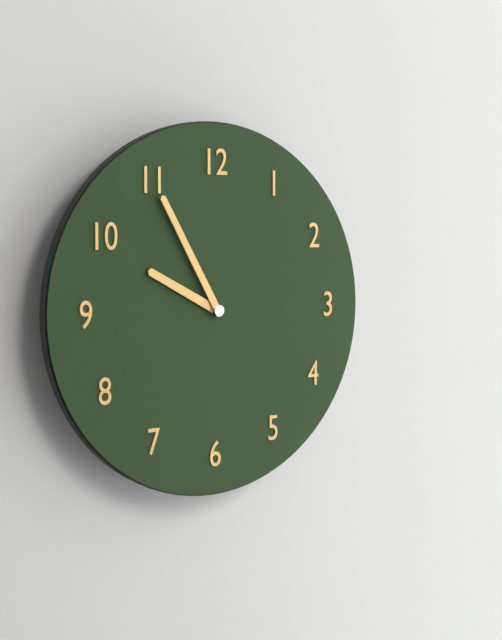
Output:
**9:55**
